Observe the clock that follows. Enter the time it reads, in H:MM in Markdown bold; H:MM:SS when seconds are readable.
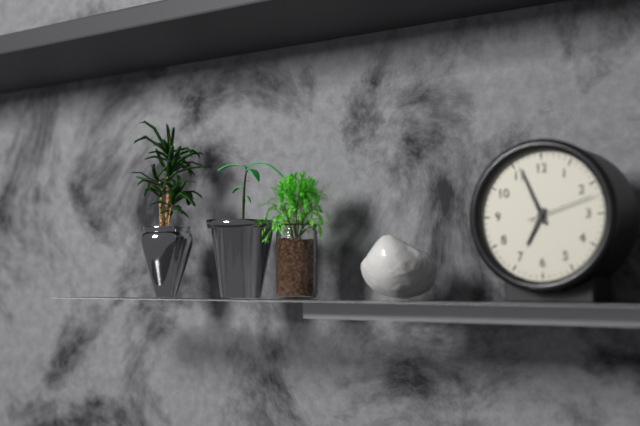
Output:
**6:56:12**
